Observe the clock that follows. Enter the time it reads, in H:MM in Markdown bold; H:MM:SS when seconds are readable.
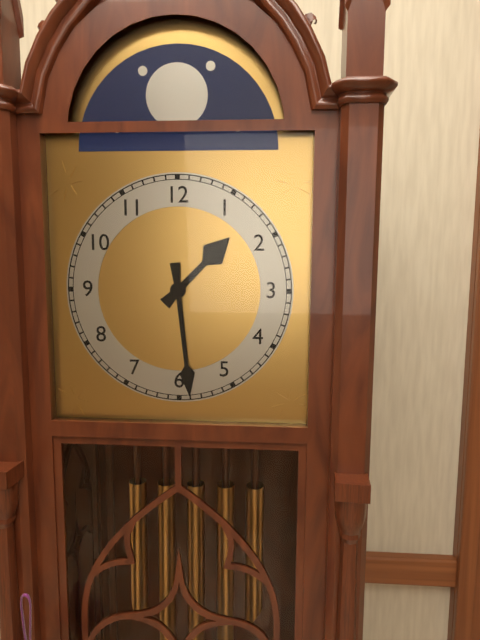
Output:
**1:29**
